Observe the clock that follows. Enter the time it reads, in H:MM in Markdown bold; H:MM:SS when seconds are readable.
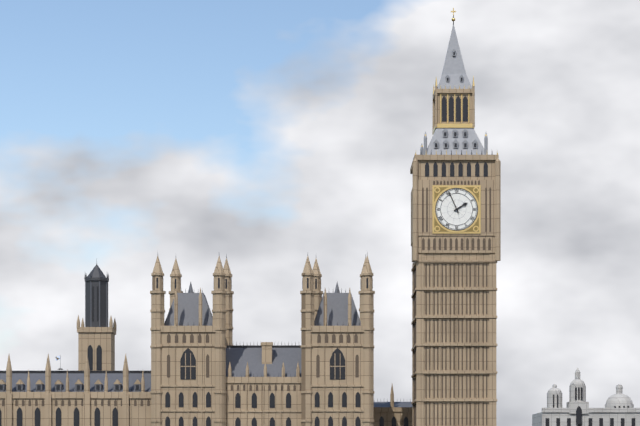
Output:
**1:56**
